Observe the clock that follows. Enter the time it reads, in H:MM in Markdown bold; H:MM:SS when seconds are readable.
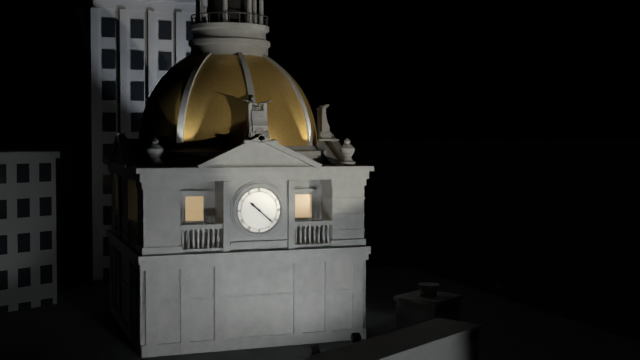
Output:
**10:22**
